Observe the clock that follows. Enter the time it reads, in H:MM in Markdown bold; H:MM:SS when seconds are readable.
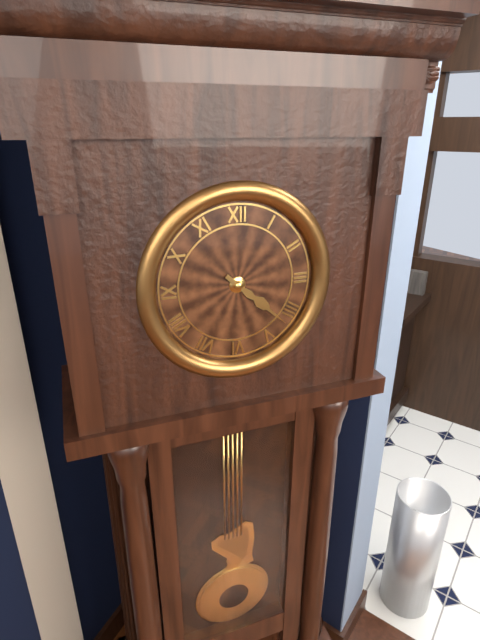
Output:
**4:22**
